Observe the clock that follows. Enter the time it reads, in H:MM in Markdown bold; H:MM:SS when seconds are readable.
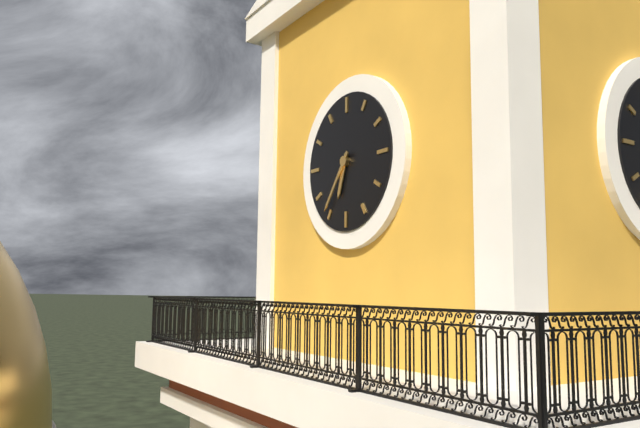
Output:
**6:36**
